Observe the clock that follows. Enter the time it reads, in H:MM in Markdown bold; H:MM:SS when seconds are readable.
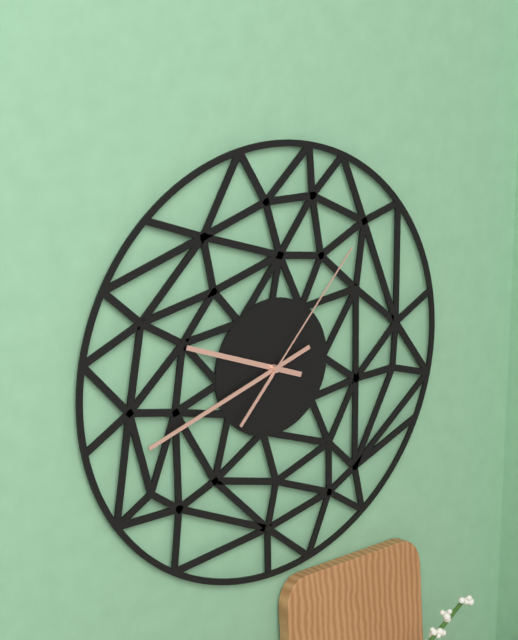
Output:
**9:42:07**
